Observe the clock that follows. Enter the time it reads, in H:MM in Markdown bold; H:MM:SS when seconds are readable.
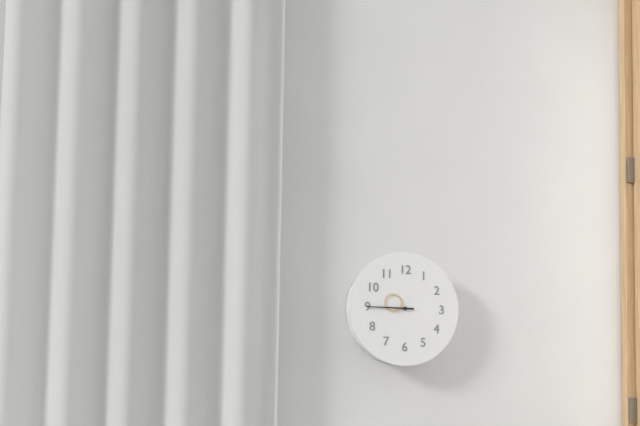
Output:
**9:45**
